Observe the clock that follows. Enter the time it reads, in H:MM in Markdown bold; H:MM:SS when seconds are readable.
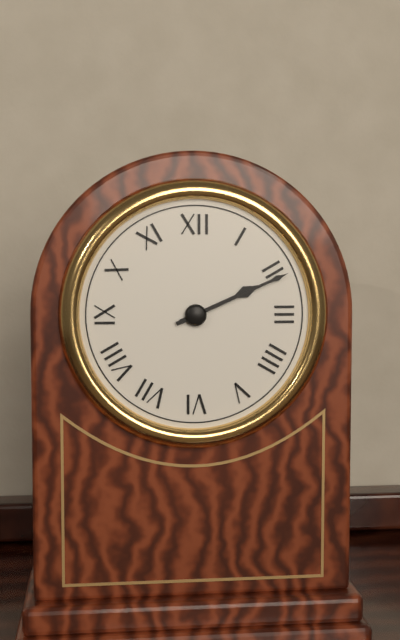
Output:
**2:11**
